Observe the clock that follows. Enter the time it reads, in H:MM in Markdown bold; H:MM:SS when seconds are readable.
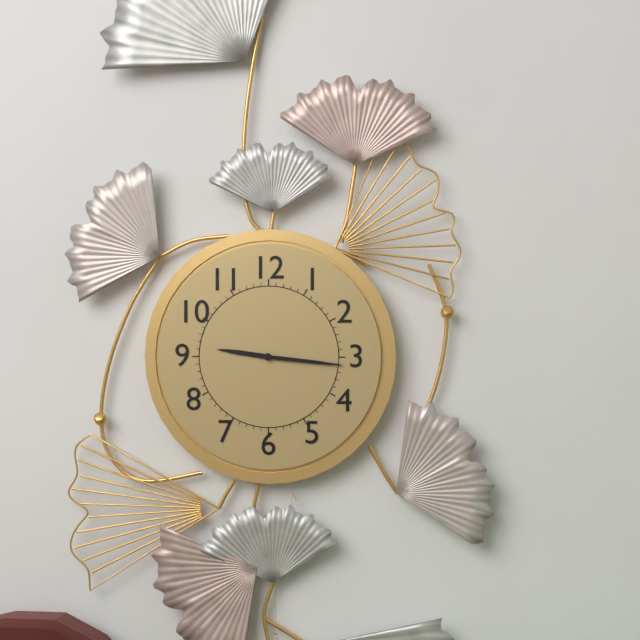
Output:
**9:16**
